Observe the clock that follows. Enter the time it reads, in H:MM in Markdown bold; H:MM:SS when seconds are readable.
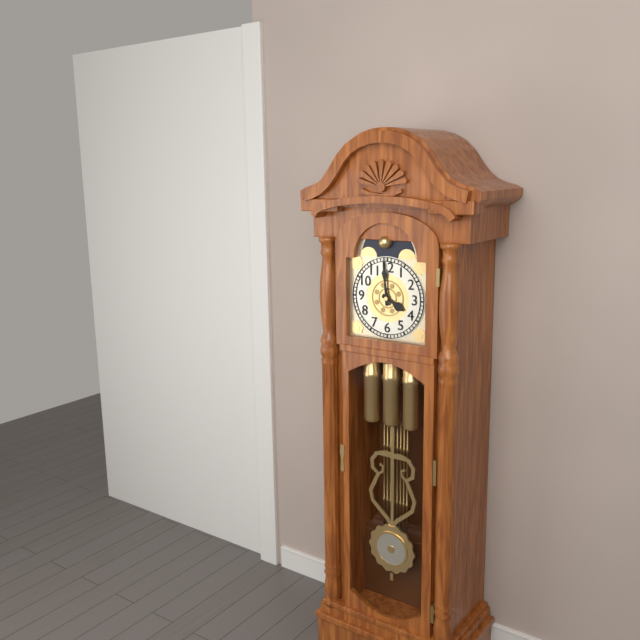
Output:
**3:59**
